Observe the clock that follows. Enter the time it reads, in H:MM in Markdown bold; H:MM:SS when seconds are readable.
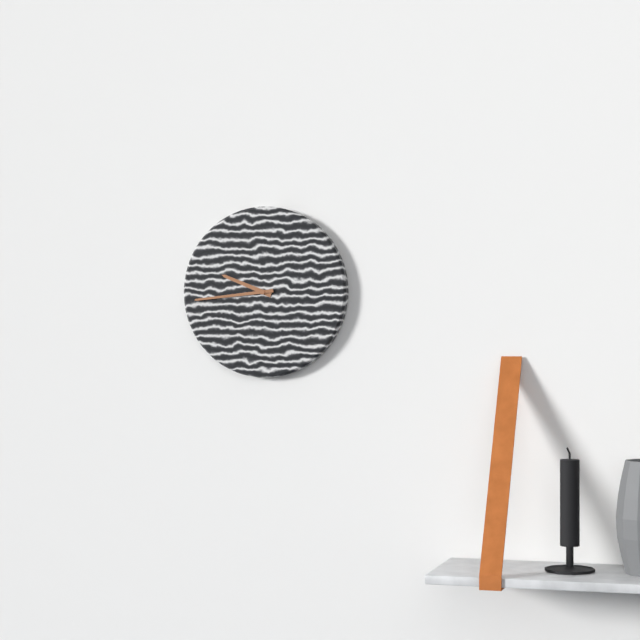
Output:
**9:44**
